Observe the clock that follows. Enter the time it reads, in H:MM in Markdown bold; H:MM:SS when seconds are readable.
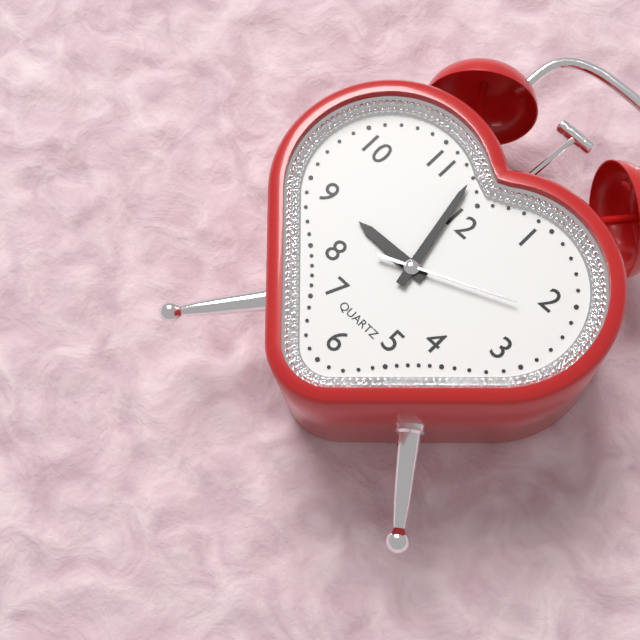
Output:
**8:58:11**
